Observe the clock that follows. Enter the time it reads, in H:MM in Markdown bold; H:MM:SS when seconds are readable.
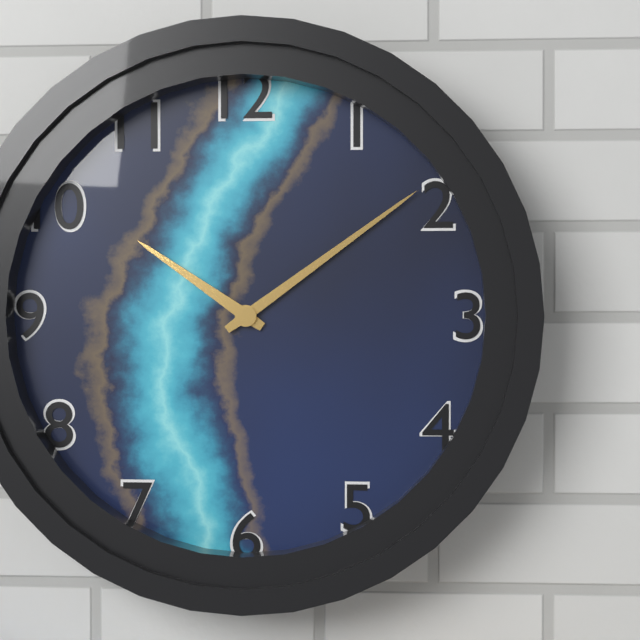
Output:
**10:09**
